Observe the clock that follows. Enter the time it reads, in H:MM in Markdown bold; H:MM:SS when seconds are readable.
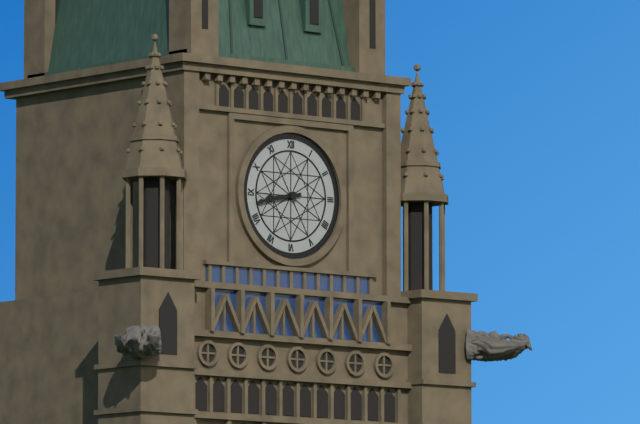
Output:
**8:43**
